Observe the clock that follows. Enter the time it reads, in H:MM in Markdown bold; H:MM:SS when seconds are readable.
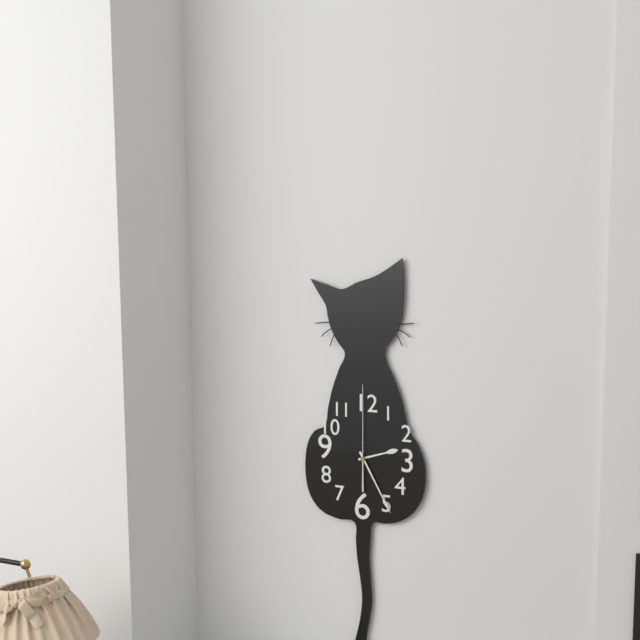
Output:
**2:25:00**
